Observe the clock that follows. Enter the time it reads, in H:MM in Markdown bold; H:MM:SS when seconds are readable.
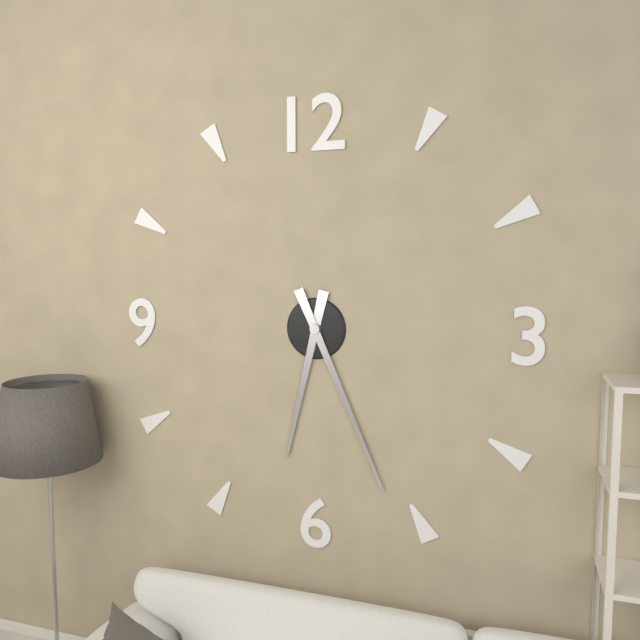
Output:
**6:26**
